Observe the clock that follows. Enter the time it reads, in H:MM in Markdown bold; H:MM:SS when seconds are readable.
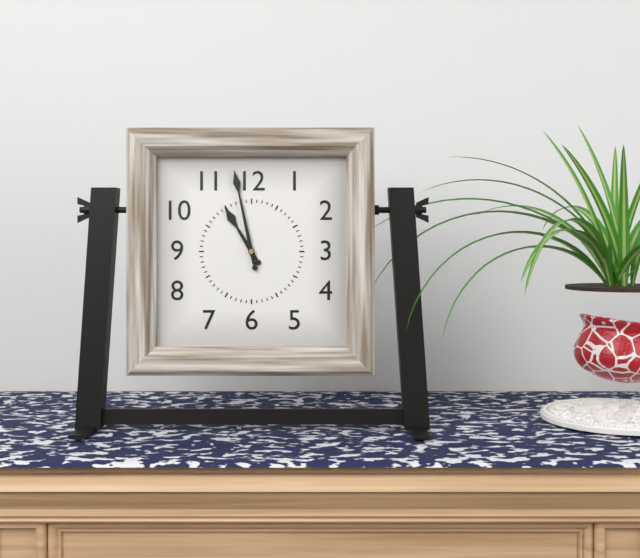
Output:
**10:58**
